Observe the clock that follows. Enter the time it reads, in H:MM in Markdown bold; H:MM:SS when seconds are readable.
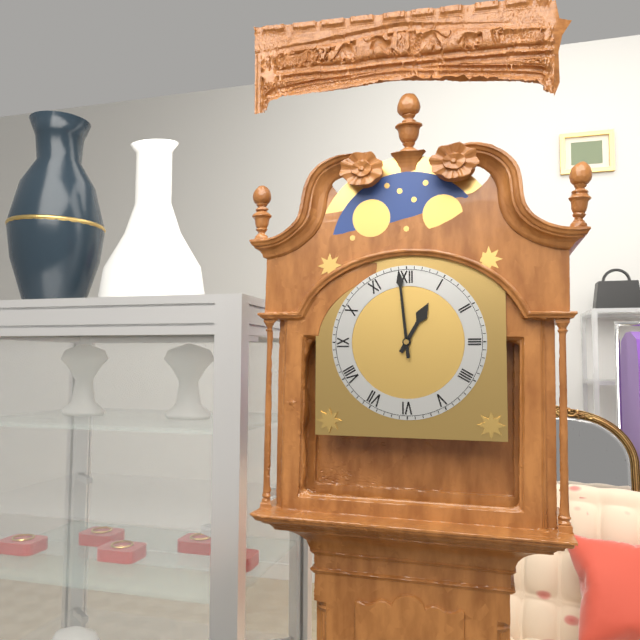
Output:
**12:59**
